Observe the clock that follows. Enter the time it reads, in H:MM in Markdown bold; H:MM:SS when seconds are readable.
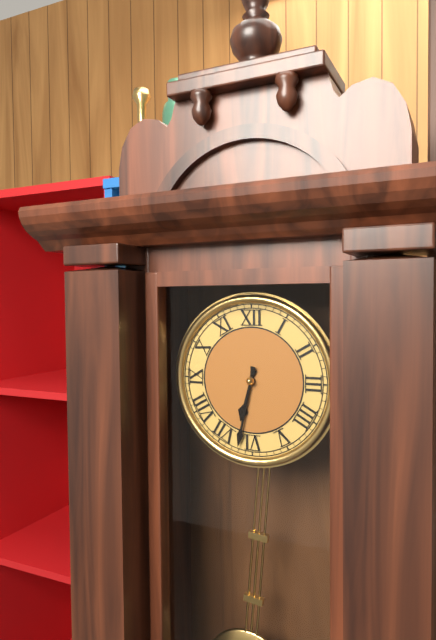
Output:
**6:32**
